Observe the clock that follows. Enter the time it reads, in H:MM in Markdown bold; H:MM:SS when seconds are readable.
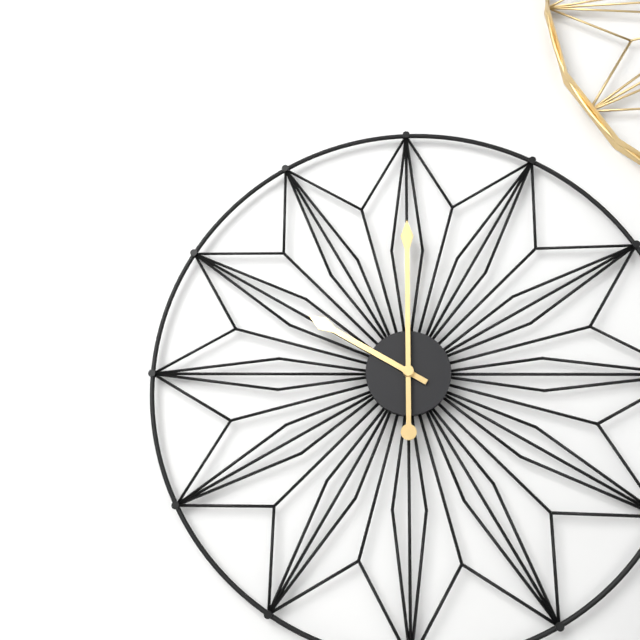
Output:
**10:00**
